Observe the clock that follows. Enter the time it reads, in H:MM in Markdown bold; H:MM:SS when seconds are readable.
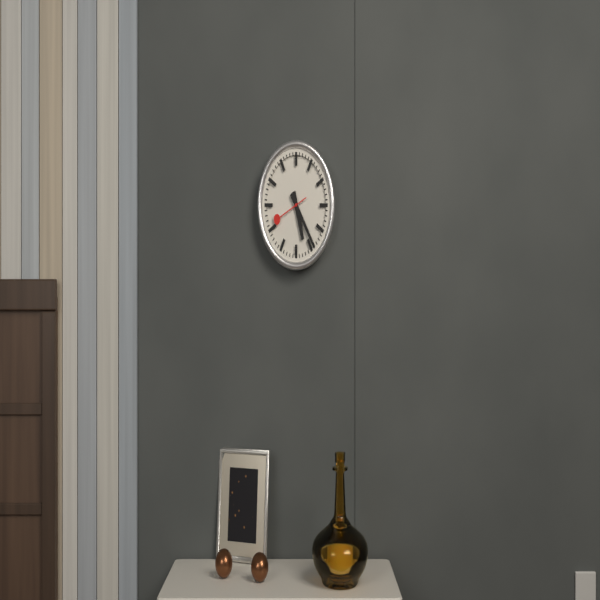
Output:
**5:24**
